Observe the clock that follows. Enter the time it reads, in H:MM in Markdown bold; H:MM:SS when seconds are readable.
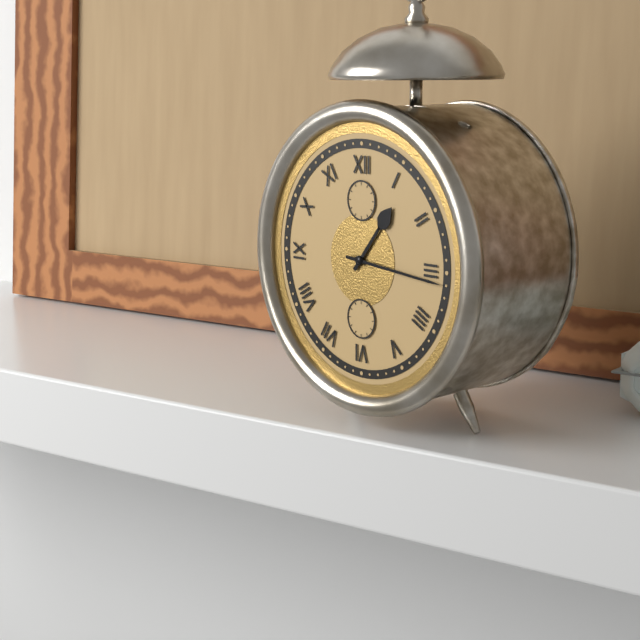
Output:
**1:16**
